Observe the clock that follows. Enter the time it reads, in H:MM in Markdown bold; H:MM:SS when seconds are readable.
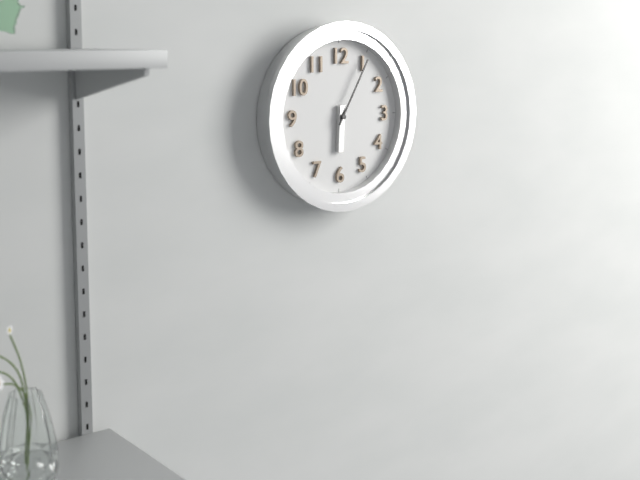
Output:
**6:05**
